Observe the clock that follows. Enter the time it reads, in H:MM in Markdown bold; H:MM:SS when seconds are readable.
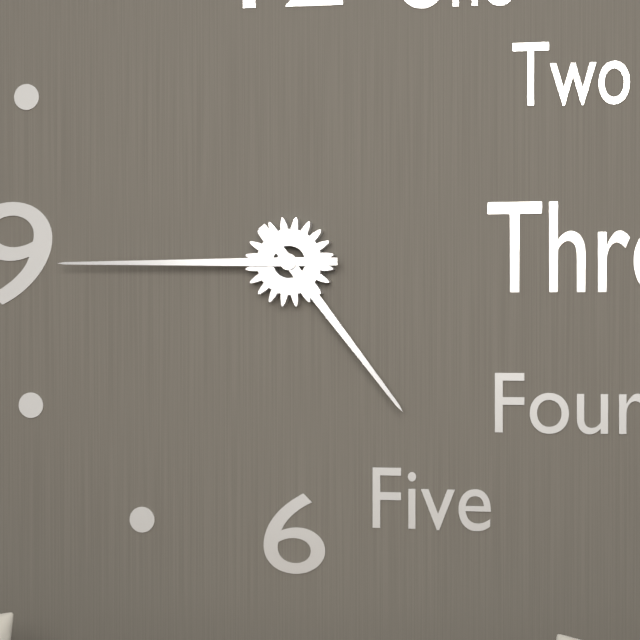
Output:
**4:45**
